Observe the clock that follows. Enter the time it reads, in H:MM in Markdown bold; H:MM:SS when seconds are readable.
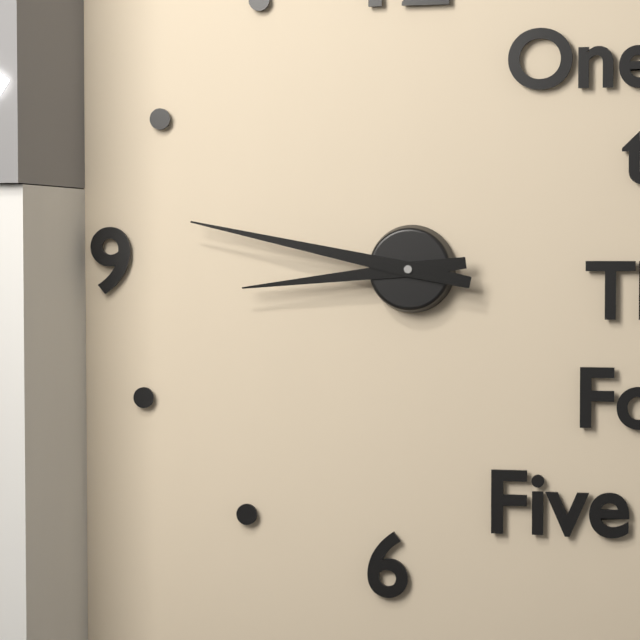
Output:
**8:47**
